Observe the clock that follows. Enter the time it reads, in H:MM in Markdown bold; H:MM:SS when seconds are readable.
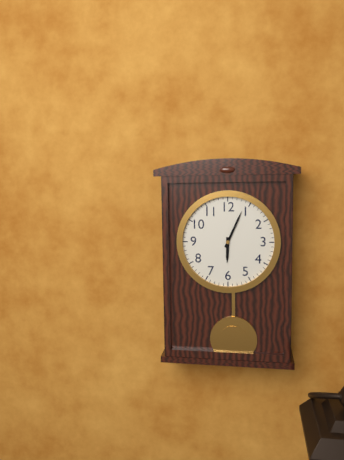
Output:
**6:04**
